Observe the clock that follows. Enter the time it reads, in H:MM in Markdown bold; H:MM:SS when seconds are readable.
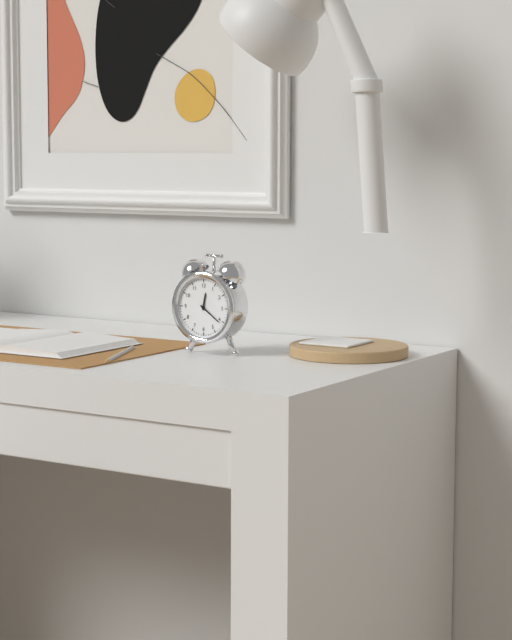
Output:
**12:21**
